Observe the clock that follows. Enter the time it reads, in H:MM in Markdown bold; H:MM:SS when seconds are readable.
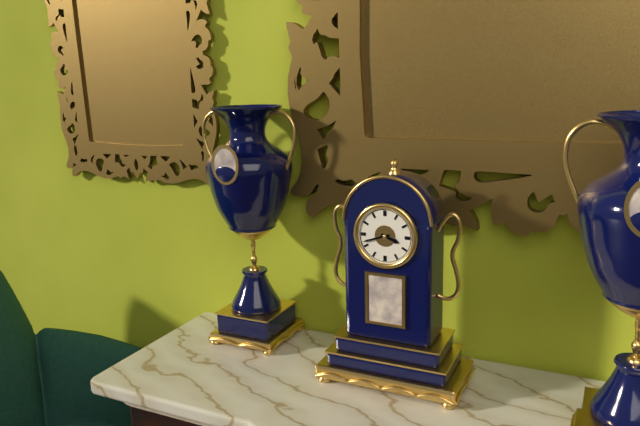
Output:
**3:42**
